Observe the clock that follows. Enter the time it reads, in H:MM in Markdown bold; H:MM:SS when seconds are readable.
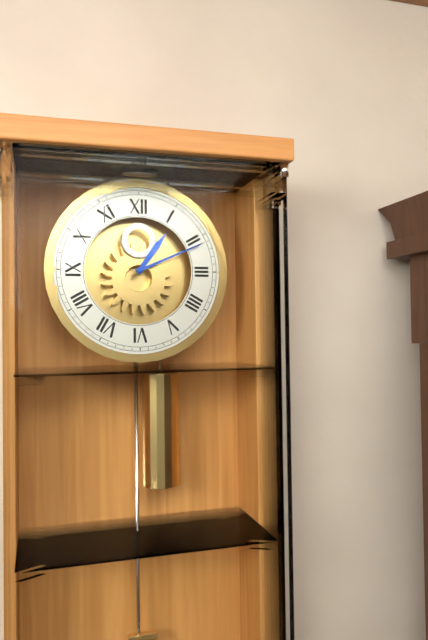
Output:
**1:11**
